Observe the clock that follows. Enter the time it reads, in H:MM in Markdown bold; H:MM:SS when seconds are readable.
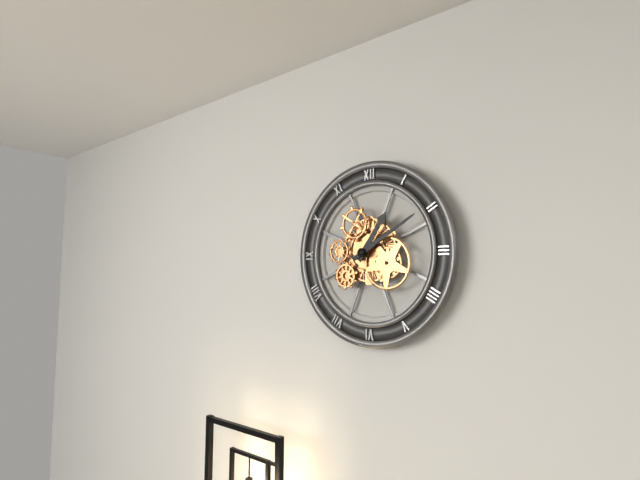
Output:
**1:10**
